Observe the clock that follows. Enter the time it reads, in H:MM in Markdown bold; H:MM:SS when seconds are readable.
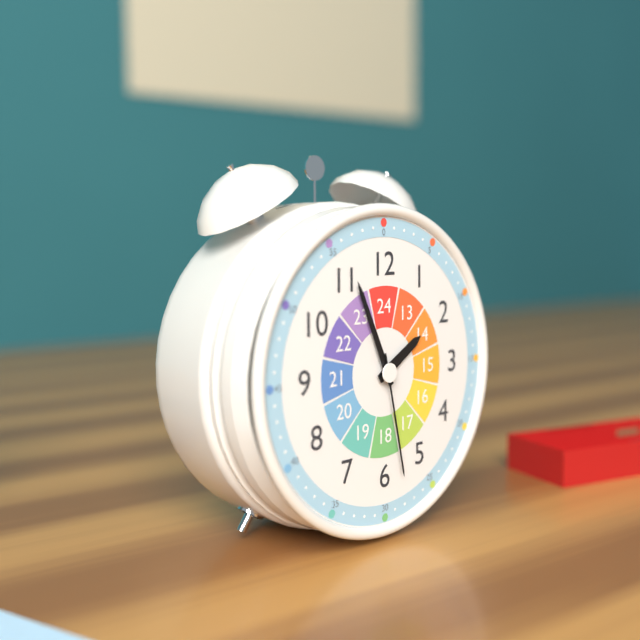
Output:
**1:56:28**
